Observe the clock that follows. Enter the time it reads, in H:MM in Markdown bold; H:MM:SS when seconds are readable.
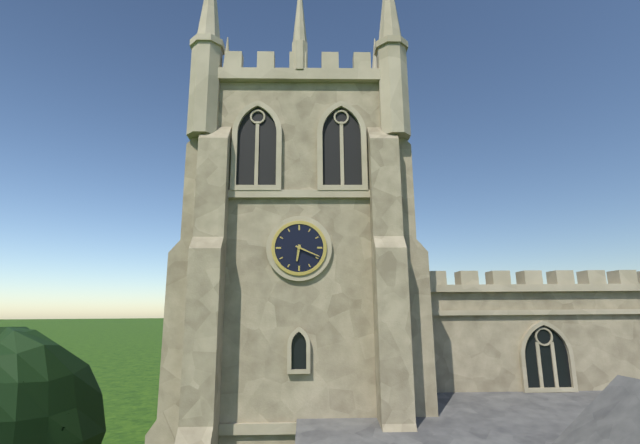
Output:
**6:19**
